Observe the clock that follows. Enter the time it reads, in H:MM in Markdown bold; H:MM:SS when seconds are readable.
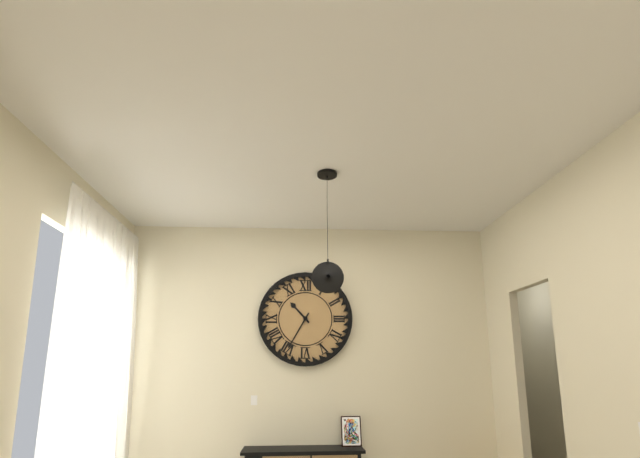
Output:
**10:35**
